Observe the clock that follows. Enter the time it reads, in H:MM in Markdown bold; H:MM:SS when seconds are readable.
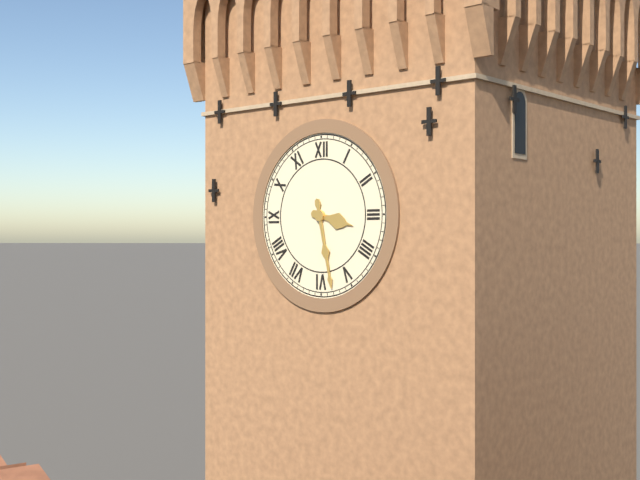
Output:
**3:28**
